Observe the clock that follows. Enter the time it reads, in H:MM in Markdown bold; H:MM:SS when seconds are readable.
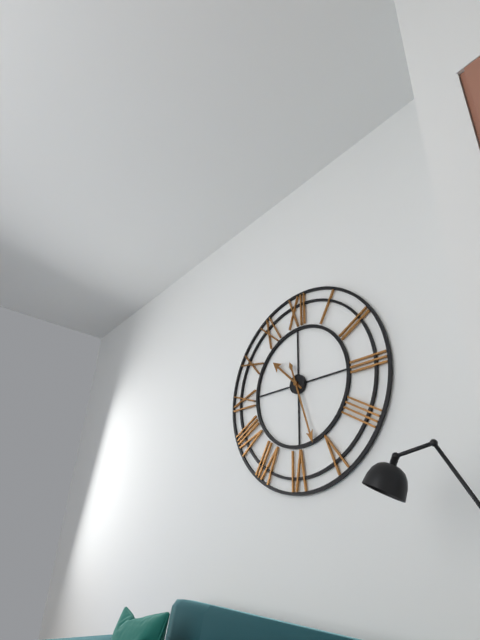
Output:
**10:27**
